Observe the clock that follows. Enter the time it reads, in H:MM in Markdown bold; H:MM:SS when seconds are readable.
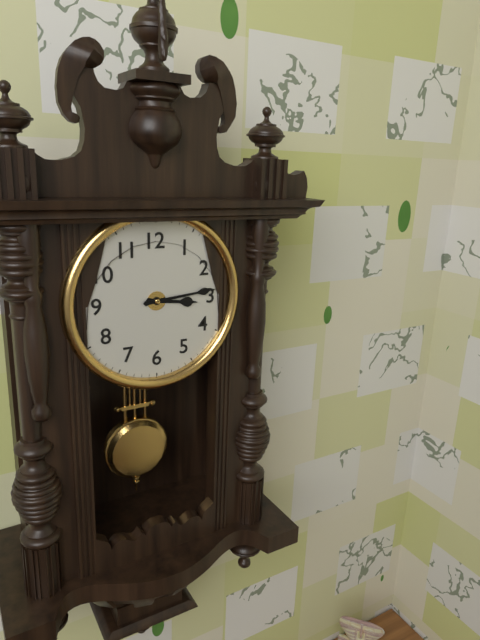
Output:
**3:14**
